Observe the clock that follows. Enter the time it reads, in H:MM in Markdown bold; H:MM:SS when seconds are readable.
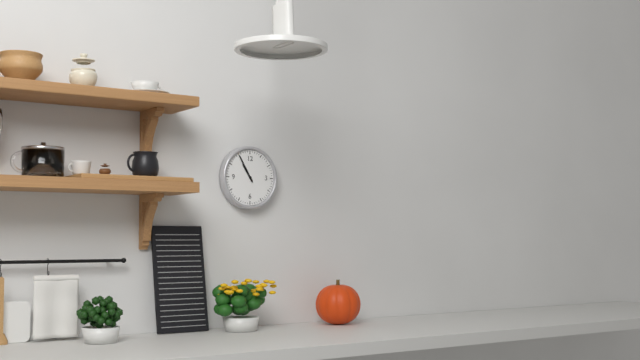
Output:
**10:55**
